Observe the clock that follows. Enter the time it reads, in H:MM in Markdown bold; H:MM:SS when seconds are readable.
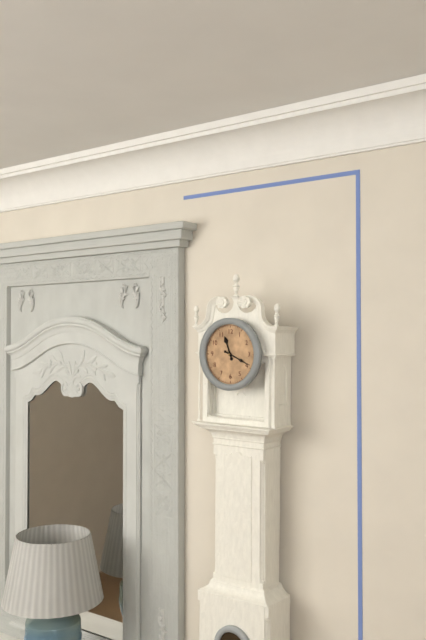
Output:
**11:19**
